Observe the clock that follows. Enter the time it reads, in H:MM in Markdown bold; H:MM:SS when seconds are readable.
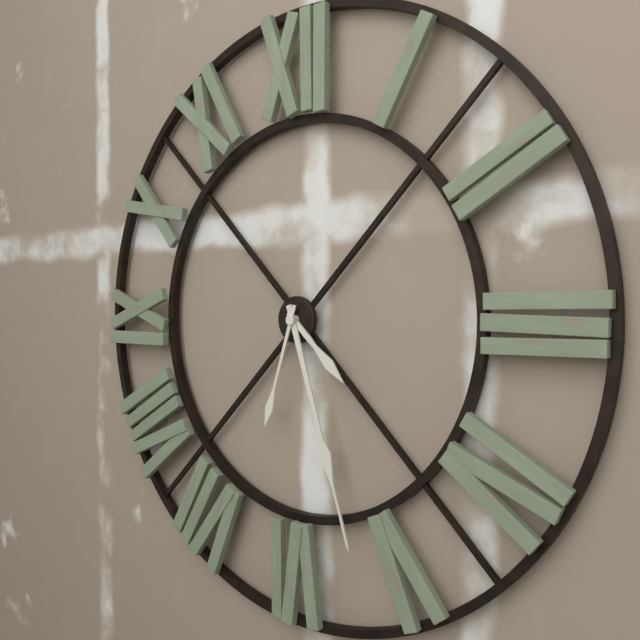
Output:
**4:27:33**
